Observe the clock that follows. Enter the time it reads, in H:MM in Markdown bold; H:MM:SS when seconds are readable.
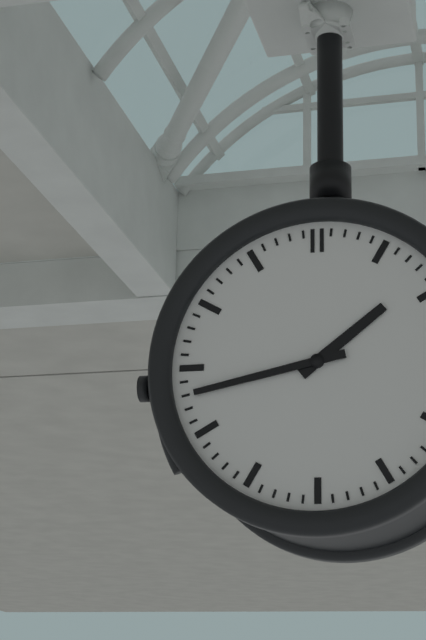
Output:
**1:43**
